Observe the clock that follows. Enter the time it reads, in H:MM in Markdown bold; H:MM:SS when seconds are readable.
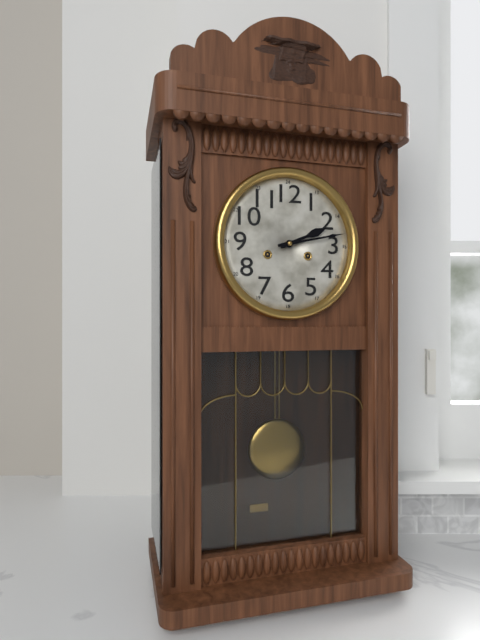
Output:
**2:13**
